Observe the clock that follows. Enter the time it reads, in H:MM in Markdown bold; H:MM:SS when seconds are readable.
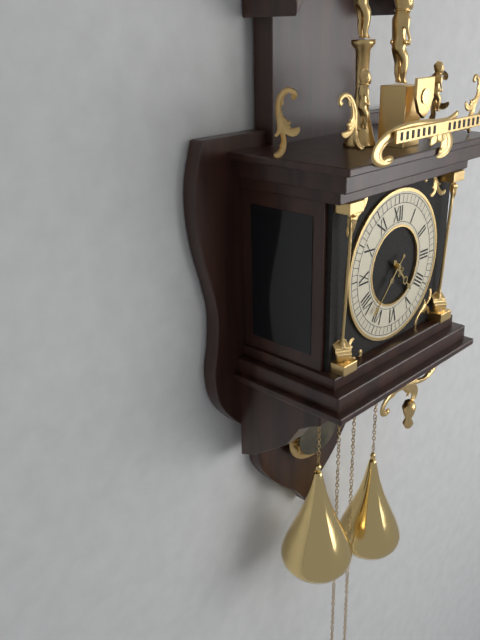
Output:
**4:37**
